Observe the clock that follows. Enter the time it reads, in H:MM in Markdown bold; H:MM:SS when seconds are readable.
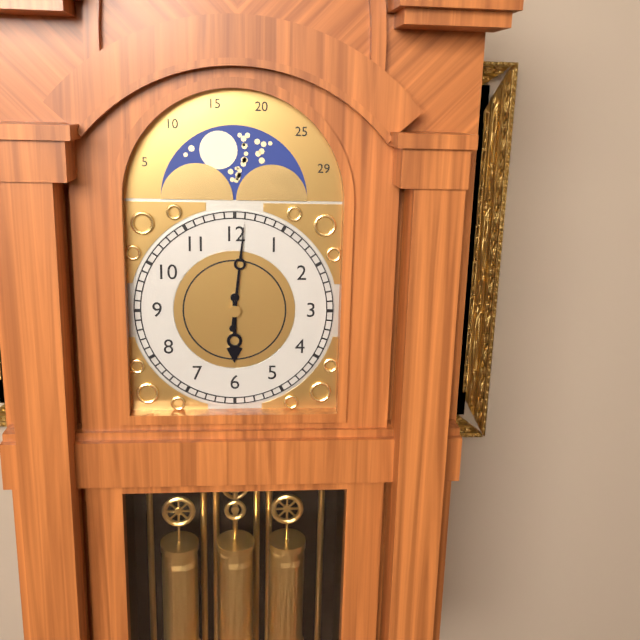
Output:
**6:01**
